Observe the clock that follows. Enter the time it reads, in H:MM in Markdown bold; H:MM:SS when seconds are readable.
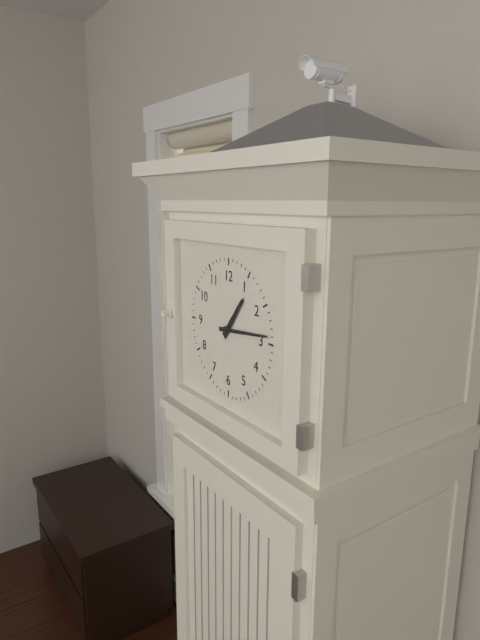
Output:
**1:14**
